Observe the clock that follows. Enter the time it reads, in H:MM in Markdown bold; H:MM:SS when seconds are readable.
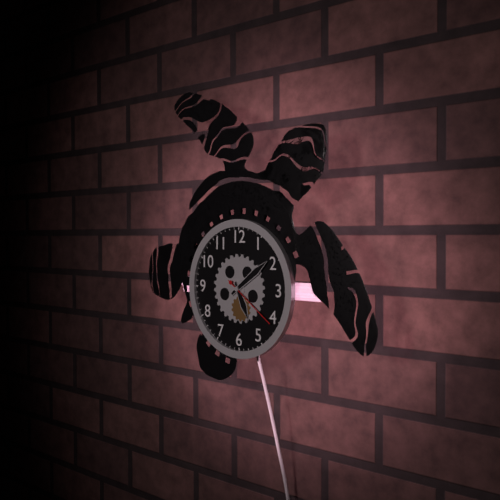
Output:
**5:09:21**
